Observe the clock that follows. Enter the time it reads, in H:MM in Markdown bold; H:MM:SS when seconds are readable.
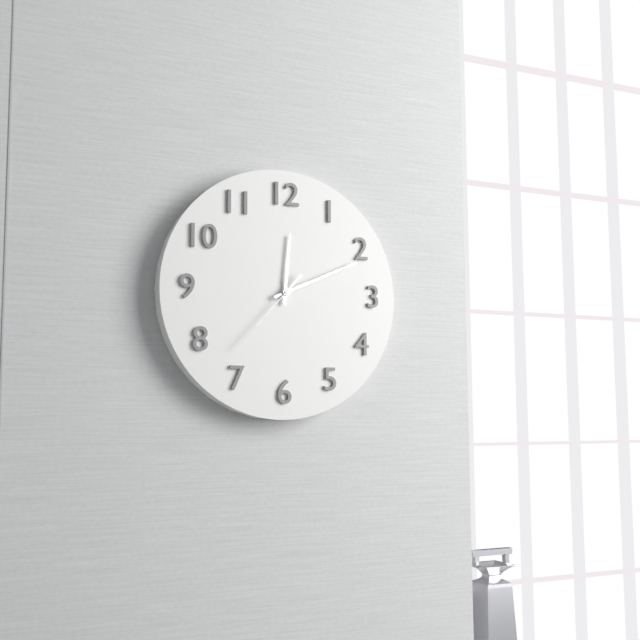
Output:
**12:11:37**
